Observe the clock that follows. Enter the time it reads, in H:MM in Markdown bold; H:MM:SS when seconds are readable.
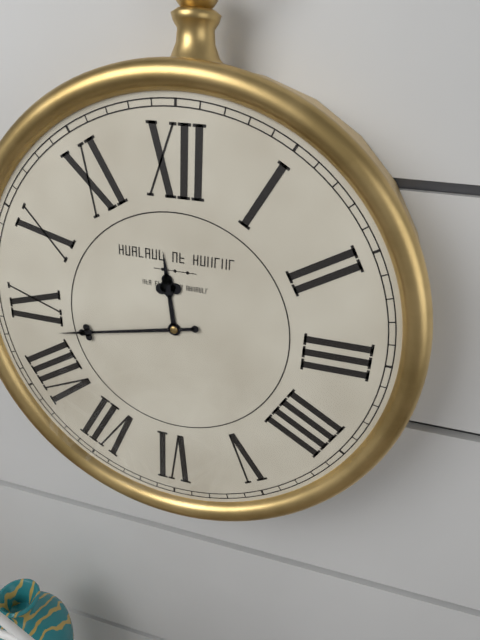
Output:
**11:43**
